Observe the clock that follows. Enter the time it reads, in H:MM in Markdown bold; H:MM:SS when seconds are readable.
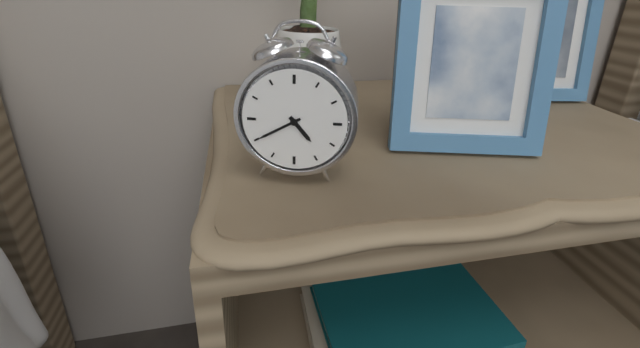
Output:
**4:40**
